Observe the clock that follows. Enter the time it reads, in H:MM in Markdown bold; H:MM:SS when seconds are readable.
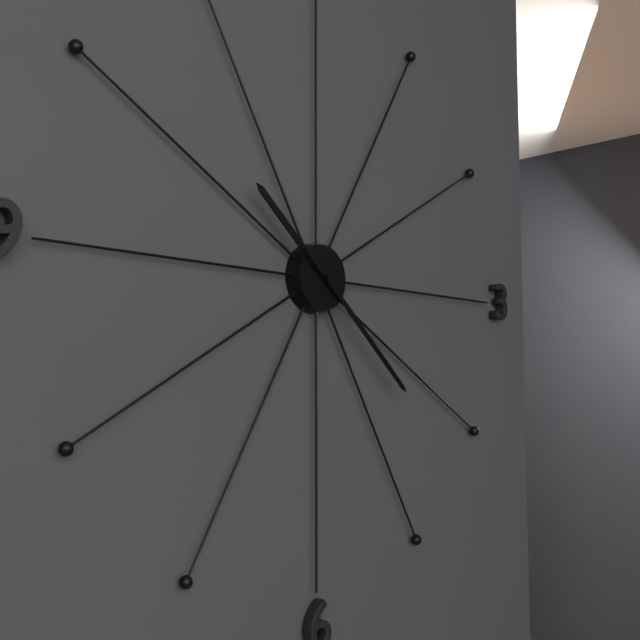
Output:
**10:22**
